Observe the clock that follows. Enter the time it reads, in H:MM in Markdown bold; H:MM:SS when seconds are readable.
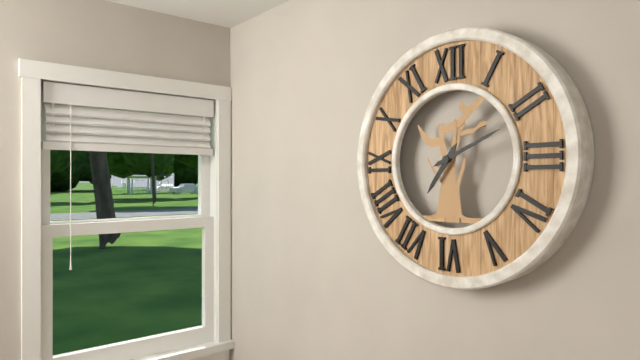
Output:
**7:11**
